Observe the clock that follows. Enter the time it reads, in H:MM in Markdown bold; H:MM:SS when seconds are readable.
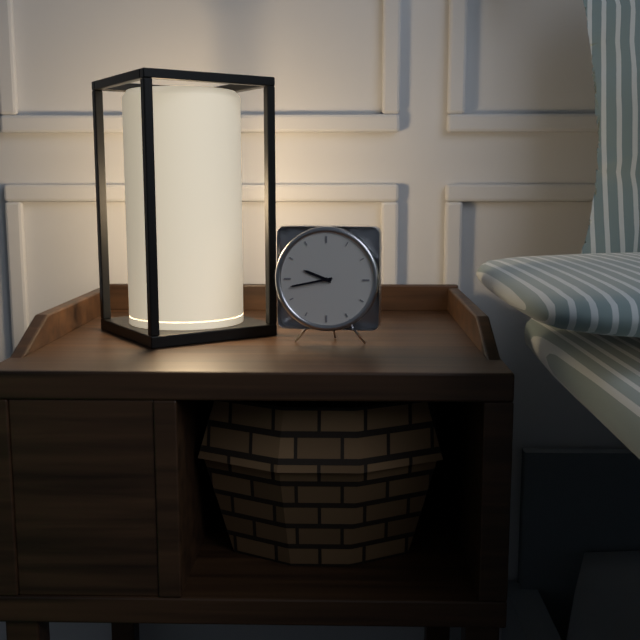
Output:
**9:43**
